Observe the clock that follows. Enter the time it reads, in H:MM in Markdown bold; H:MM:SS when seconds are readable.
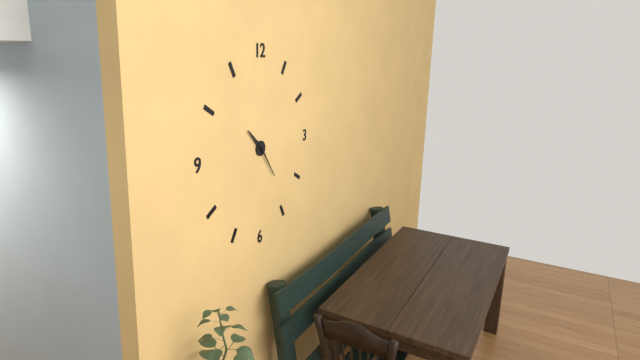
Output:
**10:24**
